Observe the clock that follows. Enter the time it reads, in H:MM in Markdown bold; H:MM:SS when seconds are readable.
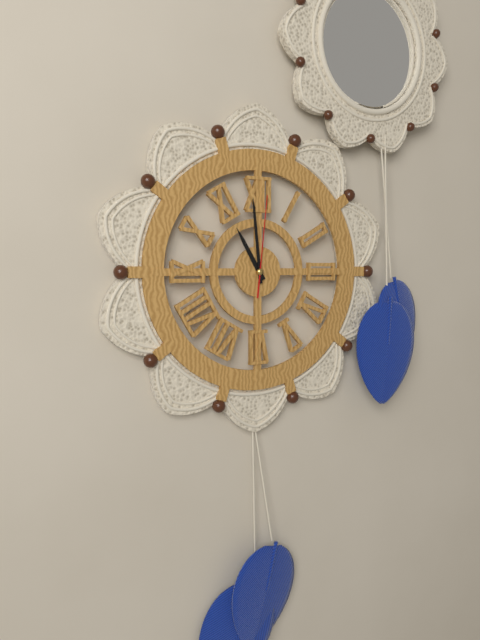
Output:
**10:59:01**
